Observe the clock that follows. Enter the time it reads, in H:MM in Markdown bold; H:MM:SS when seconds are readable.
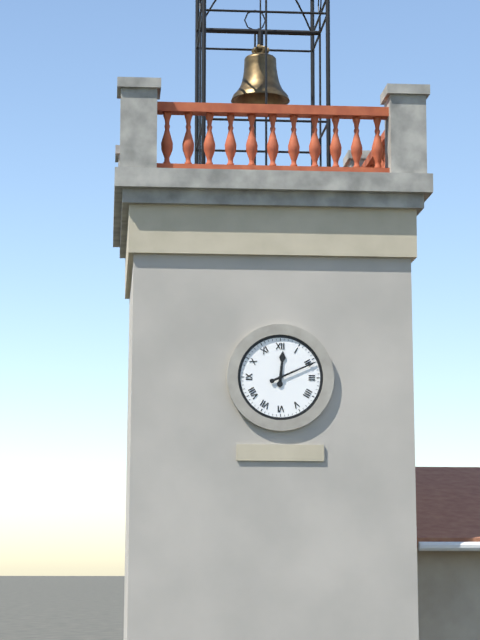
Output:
**12:11**
